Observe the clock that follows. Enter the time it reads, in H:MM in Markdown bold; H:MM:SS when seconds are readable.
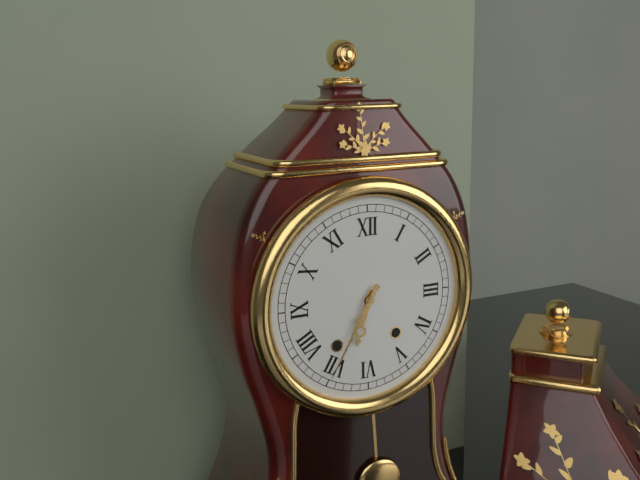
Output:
**6:35**
